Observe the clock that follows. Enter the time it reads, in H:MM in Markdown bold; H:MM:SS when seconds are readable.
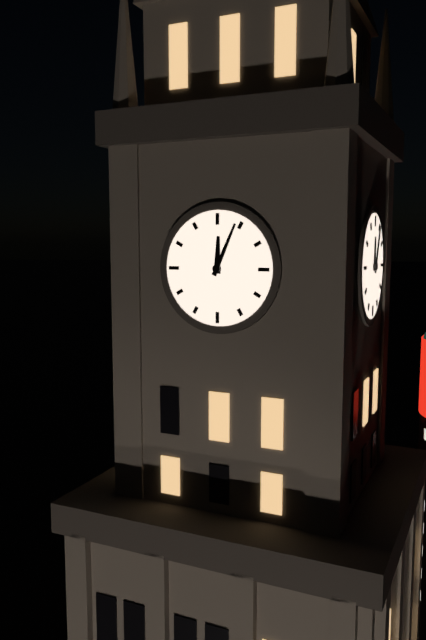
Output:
**12:04**
